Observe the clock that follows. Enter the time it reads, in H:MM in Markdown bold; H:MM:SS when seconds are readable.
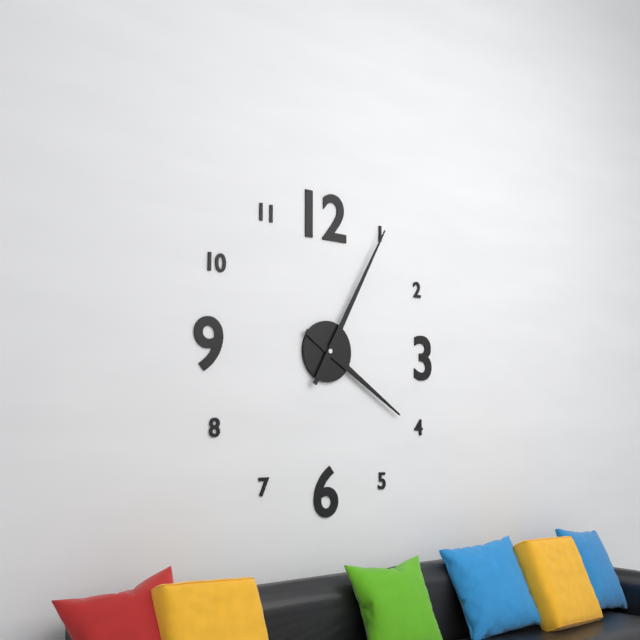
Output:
**4:05**
